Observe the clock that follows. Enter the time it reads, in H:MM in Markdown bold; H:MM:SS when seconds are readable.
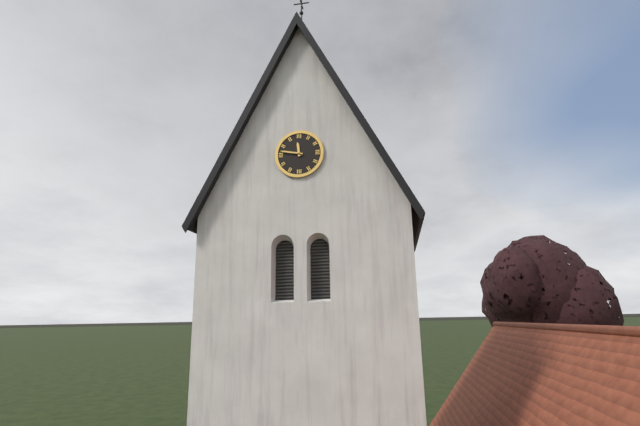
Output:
**11:47**
